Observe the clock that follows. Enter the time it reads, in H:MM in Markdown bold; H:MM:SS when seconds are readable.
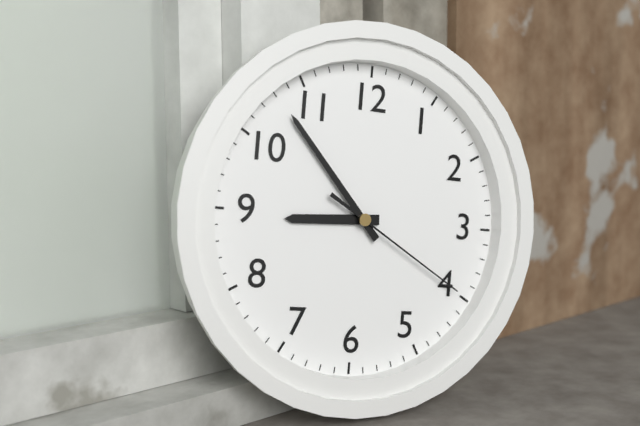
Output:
**8:53:20**
